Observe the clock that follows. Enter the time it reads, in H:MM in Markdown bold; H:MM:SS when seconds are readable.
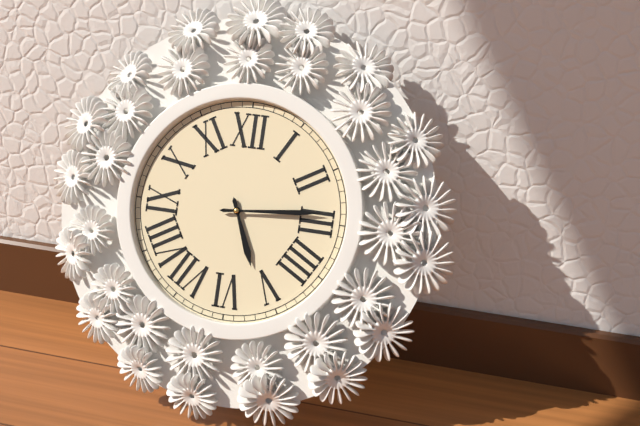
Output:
**5:14**
